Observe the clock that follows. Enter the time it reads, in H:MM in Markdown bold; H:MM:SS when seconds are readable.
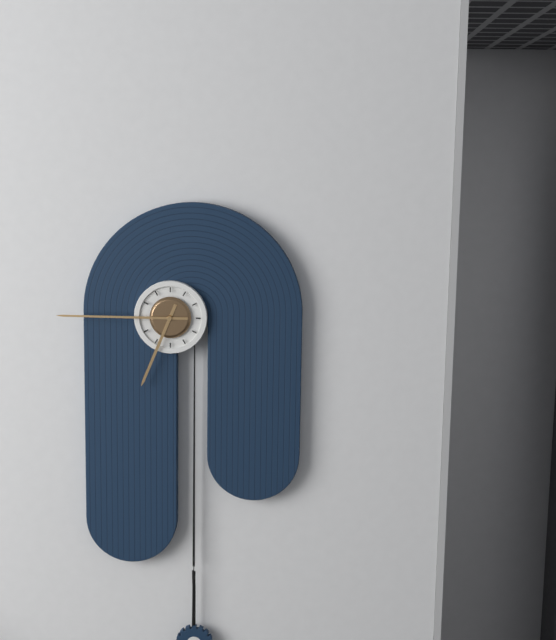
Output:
**6:45**
